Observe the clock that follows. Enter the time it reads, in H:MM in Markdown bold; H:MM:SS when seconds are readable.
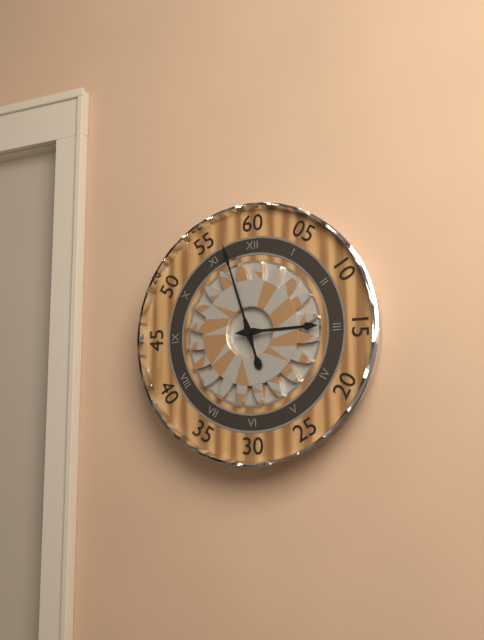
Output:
**2:57**
